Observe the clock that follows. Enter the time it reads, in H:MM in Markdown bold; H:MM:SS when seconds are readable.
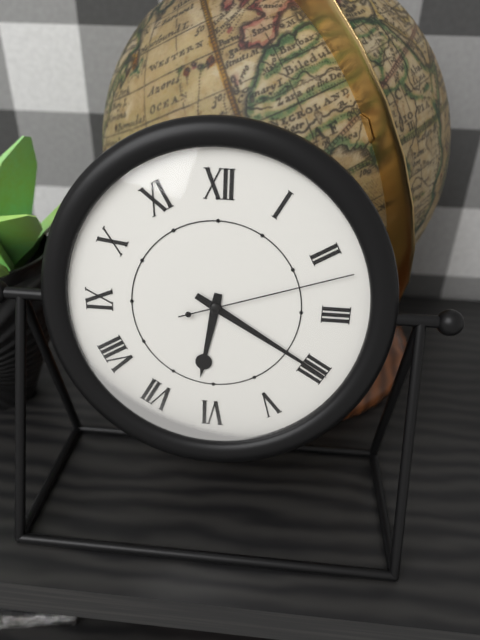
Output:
**6:20:12**
